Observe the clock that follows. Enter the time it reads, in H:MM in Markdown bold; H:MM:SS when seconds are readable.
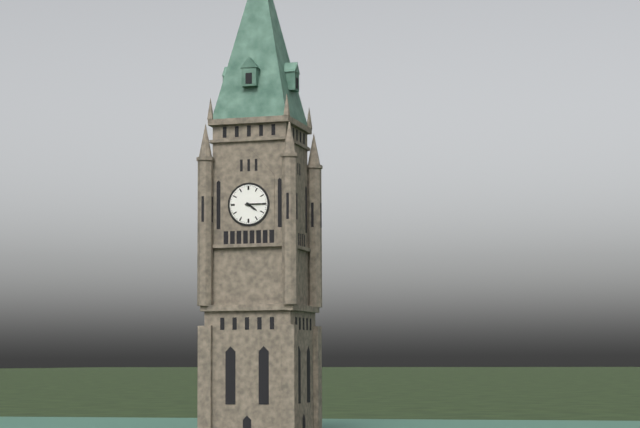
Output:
**4:15**
